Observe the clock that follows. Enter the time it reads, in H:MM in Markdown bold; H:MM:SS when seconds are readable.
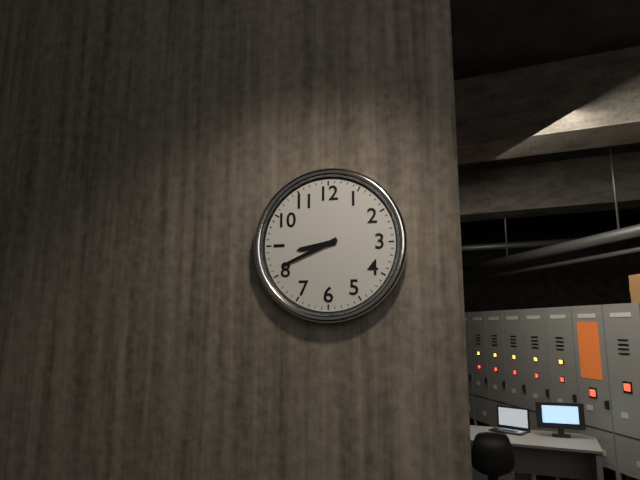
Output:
**8:41**
